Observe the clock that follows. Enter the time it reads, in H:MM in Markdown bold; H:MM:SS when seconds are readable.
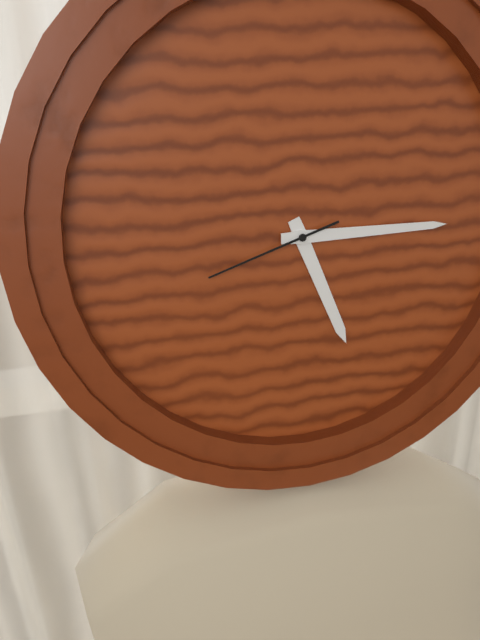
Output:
**5:15:42**
